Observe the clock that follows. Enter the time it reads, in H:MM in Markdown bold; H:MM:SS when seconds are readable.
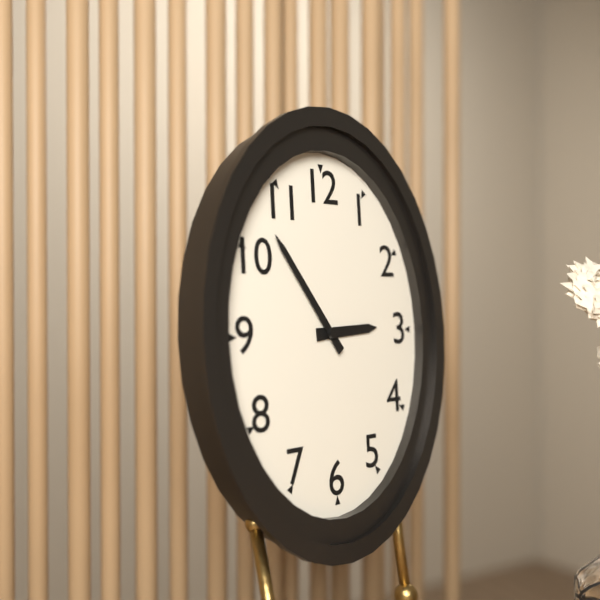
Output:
**2:54**
